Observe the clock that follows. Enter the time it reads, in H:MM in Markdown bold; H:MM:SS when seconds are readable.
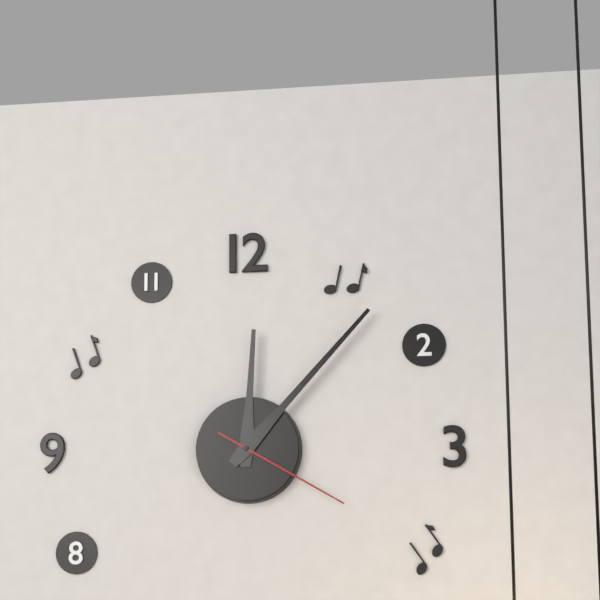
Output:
**12:07:20**
